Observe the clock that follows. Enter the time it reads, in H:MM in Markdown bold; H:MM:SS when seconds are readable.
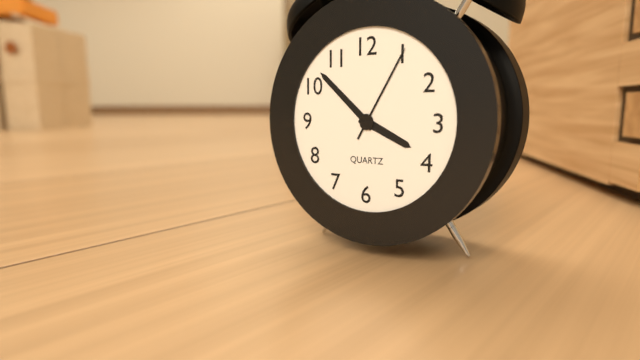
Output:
**3:52:05**
